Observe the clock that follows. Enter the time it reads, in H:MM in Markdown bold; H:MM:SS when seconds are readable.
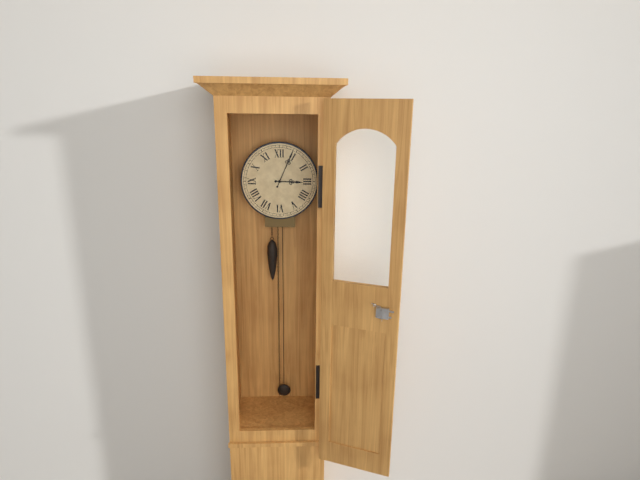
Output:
**3:04**
